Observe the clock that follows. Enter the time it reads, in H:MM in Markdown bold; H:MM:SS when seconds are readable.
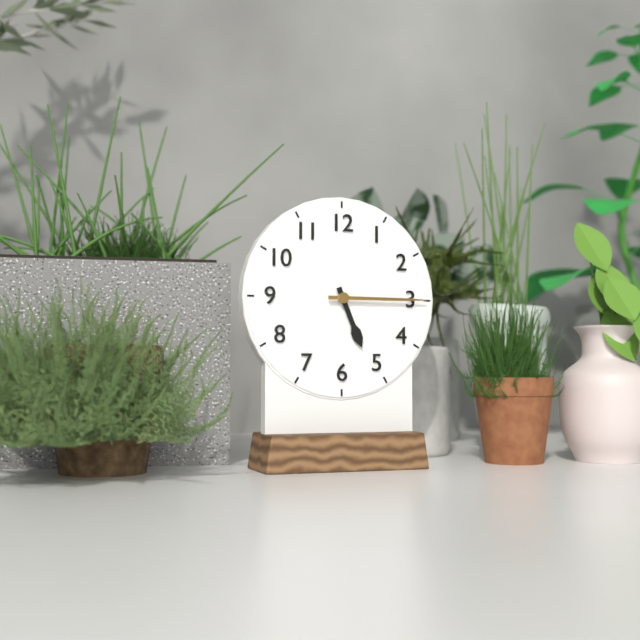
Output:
**5:15**
